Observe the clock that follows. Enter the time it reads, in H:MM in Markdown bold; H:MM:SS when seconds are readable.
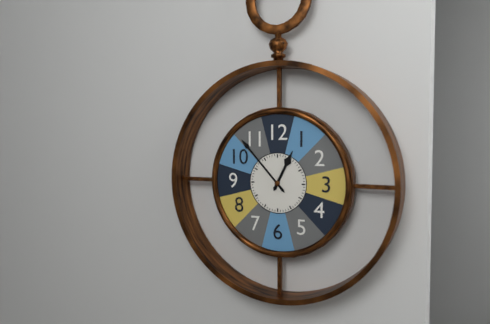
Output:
**12:53**
